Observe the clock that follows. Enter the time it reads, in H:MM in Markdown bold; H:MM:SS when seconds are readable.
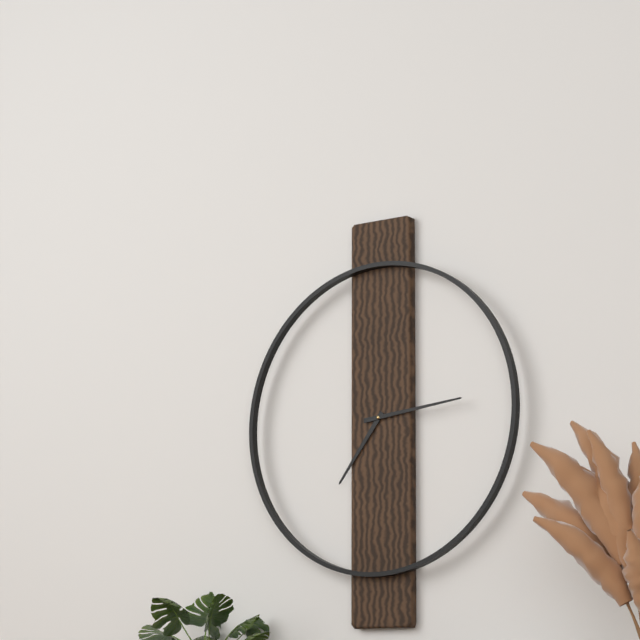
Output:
**7:14**
